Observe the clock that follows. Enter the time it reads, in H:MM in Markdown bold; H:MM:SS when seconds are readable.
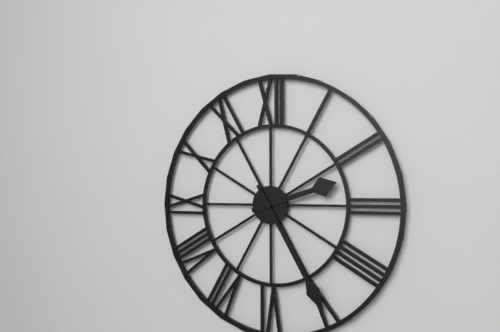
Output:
**2:25**
